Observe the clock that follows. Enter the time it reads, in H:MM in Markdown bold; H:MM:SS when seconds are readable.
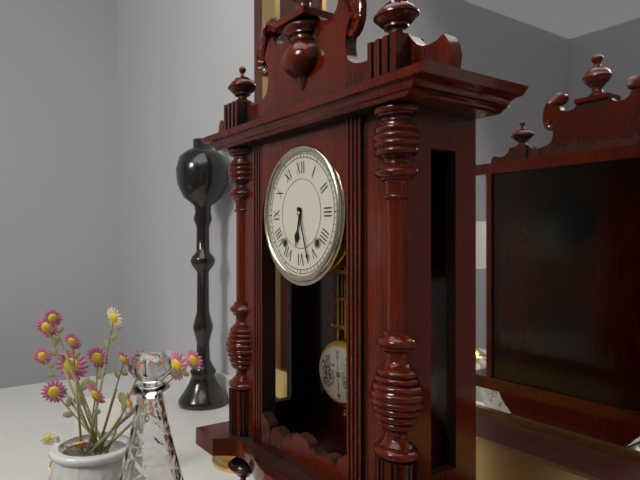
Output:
**6:27**
